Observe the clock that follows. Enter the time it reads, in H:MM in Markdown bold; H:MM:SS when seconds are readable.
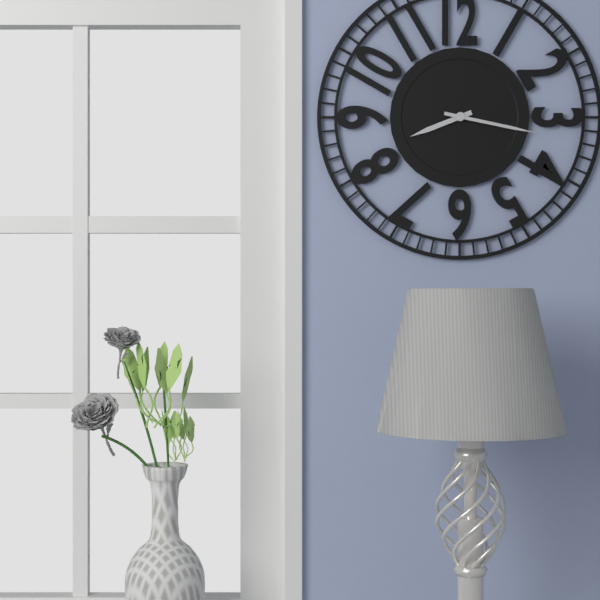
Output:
**8:17**
